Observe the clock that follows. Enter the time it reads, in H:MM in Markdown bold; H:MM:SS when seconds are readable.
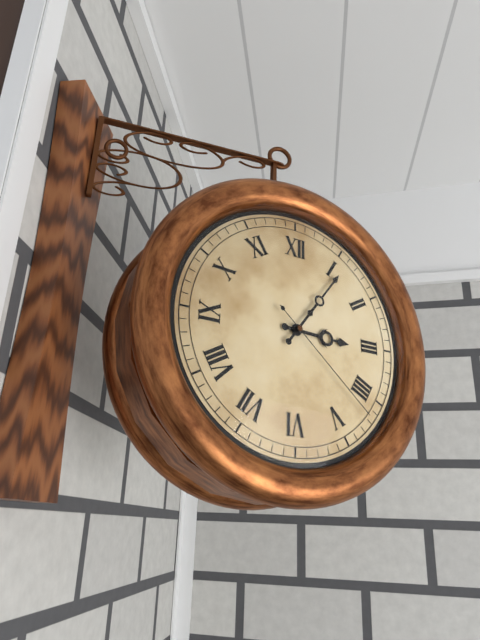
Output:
**3:06:22**
